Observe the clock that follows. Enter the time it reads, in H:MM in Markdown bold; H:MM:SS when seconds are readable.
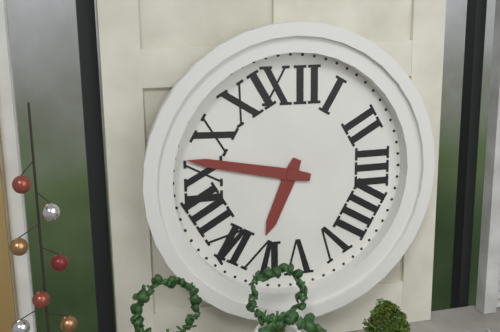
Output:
**6:47**
